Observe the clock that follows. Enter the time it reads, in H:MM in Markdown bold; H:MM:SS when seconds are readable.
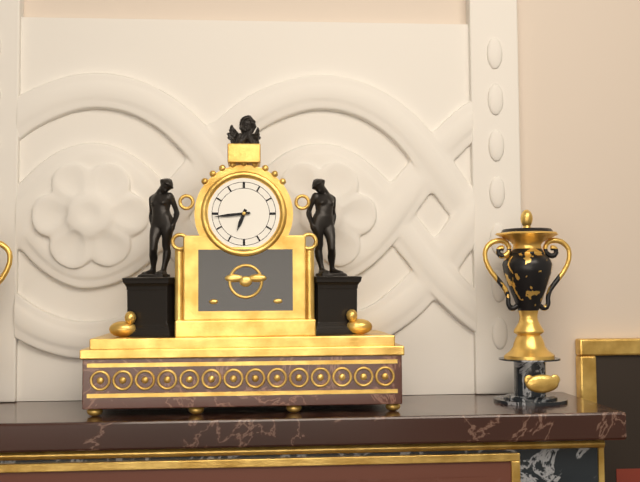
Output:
**6:44**
